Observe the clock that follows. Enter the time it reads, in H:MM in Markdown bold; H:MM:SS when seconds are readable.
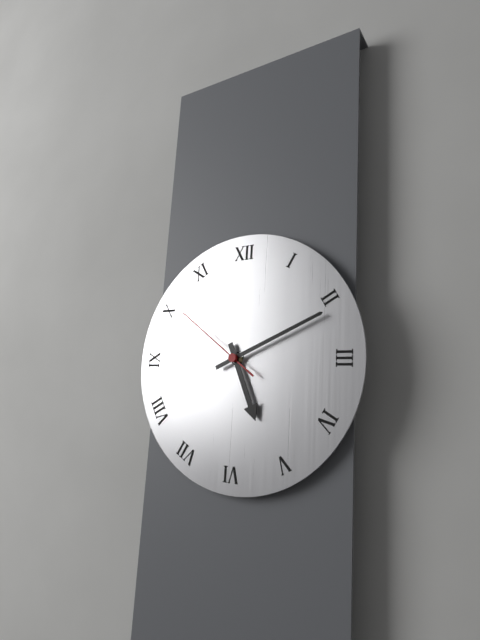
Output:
**5:11:51**
